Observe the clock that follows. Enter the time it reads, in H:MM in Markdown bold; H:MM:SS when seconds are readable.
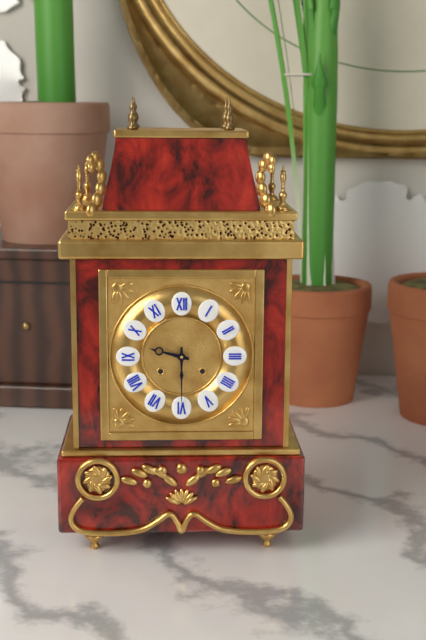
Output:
**9:30**
